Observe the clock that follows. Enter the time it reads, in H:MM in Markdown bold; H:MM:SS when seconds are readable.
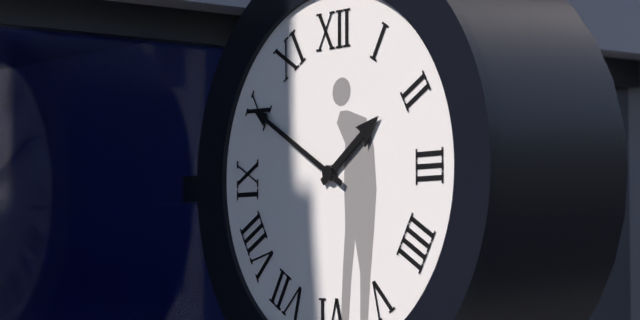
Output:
**1:50**
